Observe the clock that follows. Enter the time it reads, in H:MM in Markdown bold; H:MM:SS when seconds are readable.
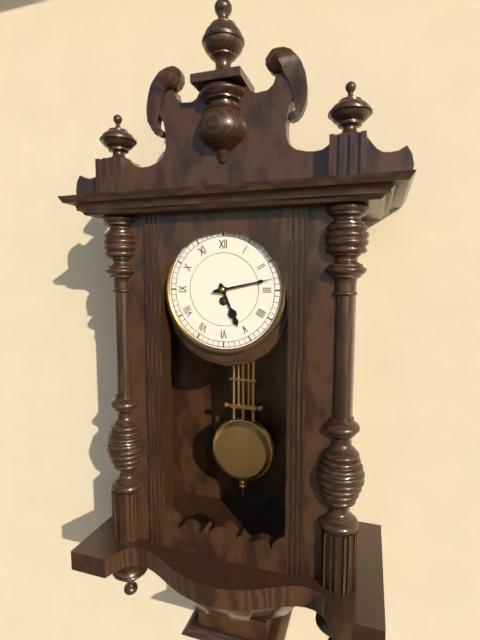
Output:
**5:13**
